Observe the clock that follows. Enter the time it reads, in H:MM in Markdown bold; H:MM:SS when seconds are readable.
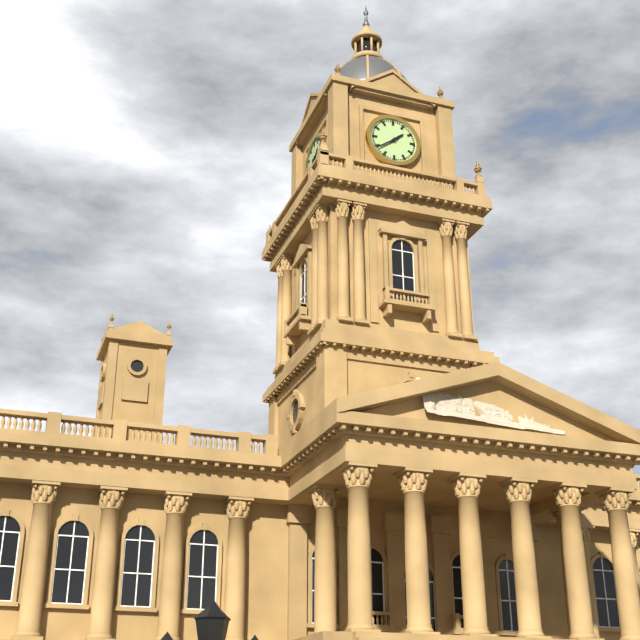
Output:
**1:39**
